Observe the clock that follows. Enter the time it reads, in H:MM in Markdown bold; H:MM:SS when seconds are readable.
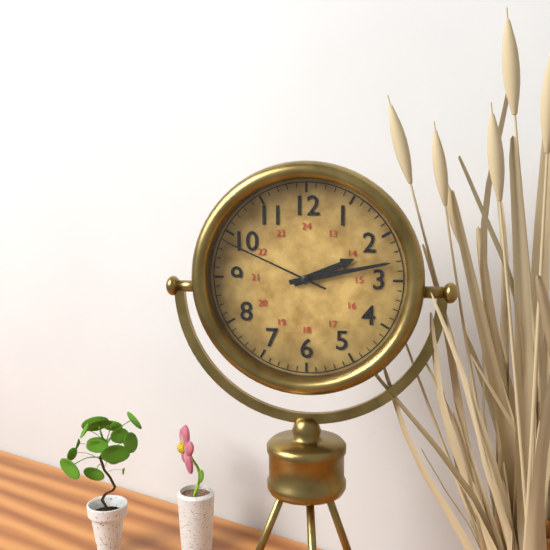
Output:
**2:13:49**
